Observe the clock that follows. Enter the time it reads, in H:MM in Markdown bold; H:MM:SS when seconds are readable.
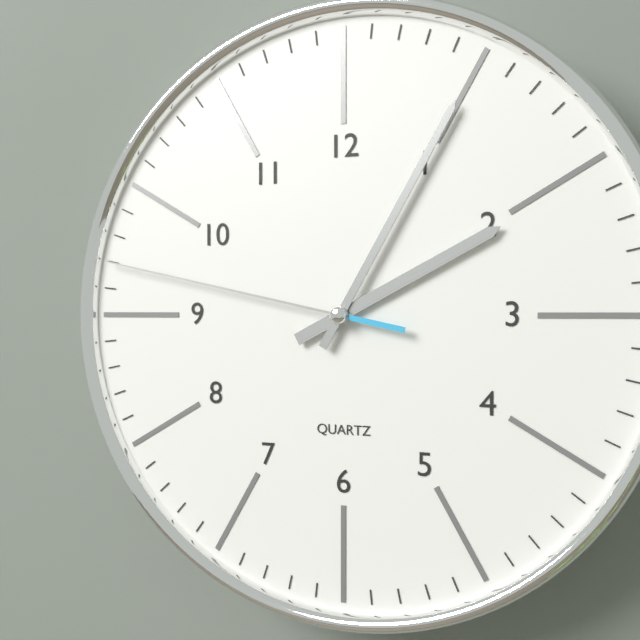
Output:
**2:05:47**
